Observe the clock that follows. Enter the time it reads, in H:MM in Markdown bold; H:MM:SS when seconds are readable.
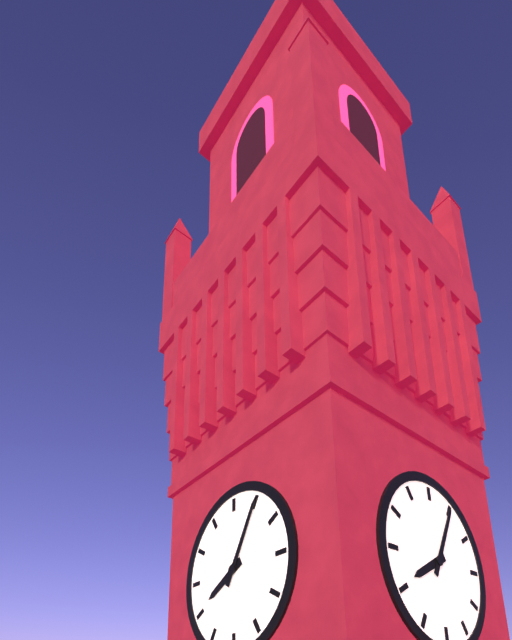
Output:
**8:05**
